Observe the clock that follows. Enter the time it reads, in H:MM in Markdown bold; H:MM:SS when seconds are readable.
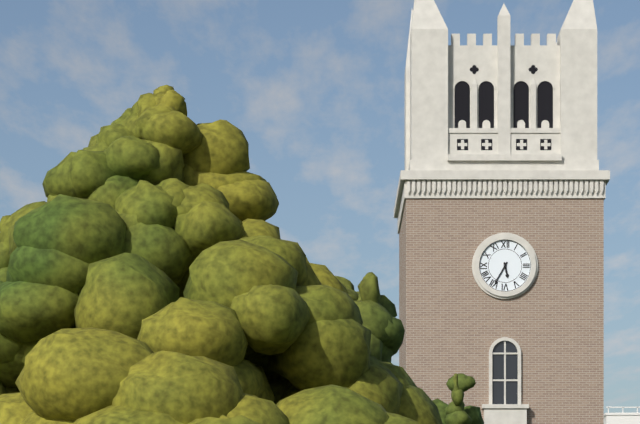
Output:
**5:35**
